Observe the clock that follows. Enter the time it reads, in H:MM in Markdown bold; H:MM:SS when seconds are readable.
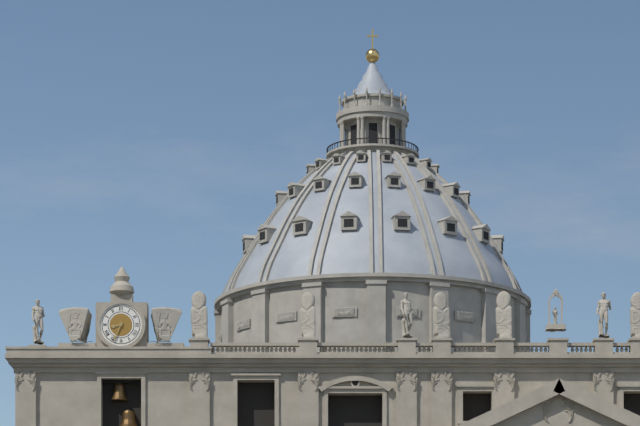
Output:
**8:34**
